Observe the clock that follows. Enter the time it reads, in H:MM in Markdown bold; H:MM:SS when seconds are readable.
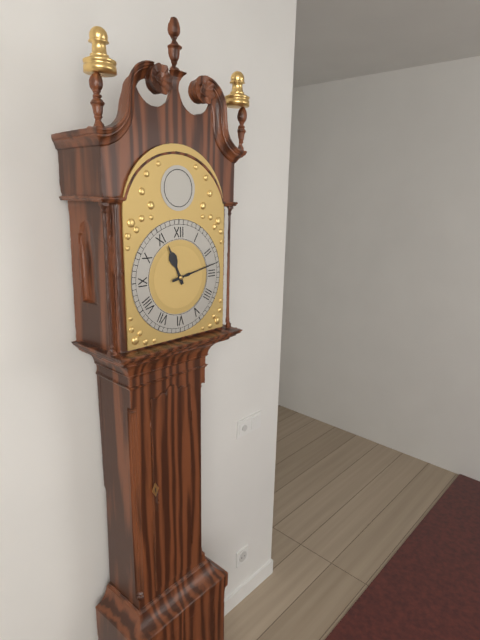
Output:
**11:13**
